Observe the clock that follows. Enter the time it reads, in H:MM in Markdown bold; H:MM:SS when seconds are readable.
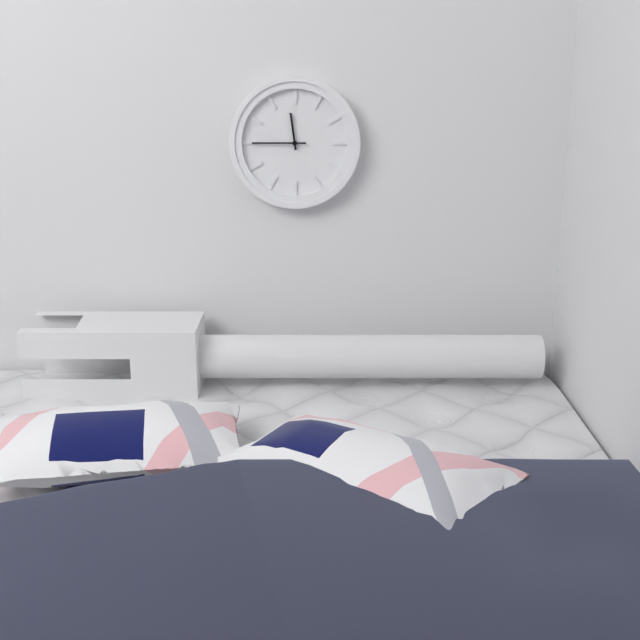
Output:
**11:45**
